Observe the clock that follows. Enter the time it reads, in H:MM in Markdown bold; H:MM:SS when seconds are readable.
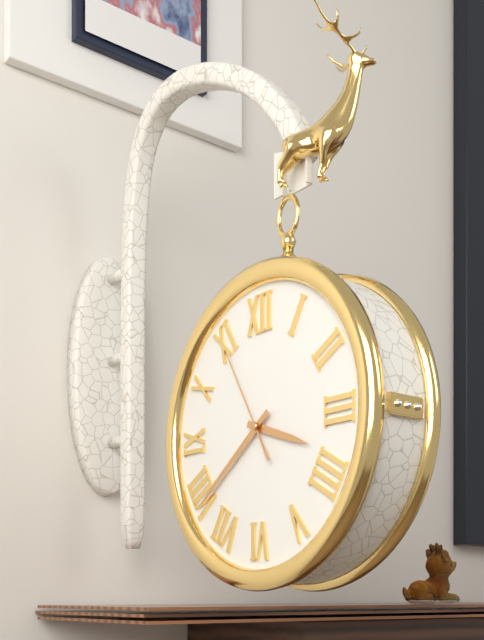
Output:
**3:39:55**
